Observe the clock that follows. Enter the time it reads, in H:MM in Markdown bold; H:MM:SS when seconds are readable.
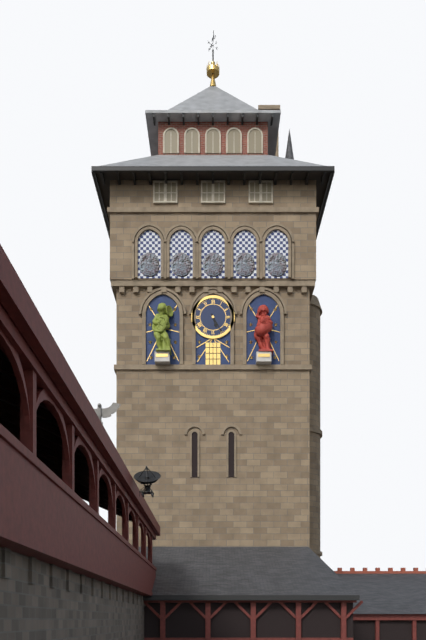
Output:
**5:25**
